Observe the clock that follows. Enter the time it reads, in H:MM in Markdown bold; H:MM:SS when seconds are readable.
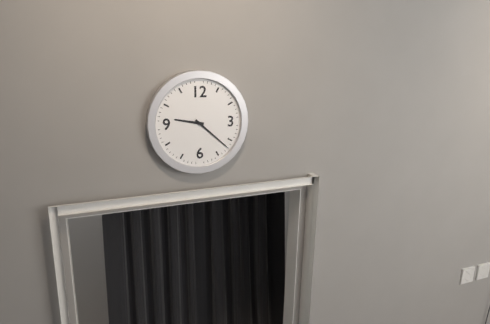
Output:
**9:22**
